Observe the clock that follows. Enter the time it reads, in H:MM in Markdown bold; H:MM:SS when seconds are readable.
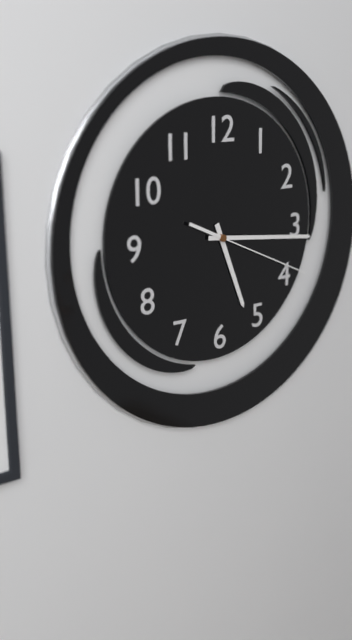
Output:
**5:16:19**
